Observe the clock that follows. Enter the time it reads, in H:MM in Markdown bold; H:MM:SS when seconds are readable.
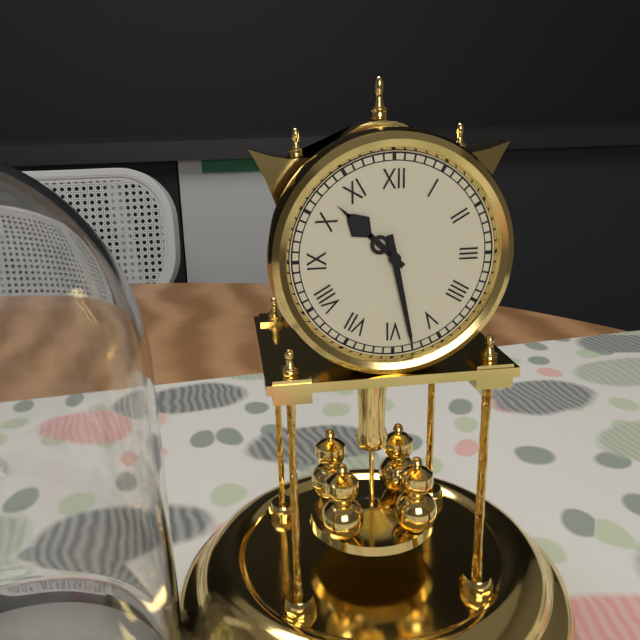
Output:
**10:28**
